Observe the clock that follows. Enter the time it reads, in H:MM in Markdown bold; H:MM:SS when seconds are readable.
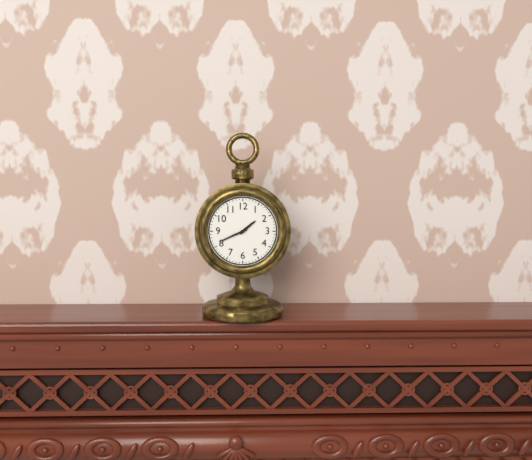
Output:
**1:41**
